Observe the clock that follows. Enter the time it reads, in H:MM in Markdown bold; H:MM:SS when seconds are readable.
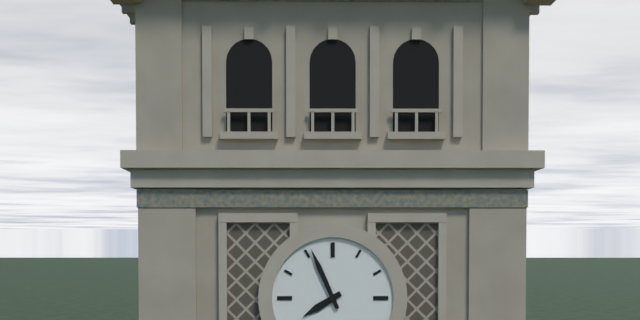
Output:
**7:56**
